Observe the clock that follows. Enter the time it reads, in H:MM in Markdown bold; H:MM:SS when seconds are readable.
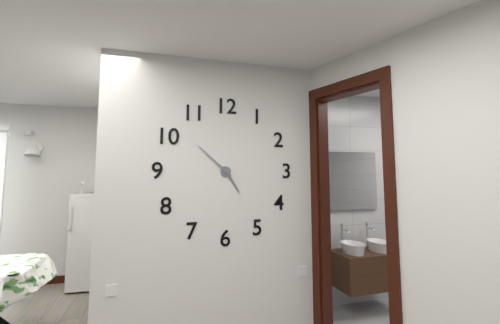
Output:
**4:52**
